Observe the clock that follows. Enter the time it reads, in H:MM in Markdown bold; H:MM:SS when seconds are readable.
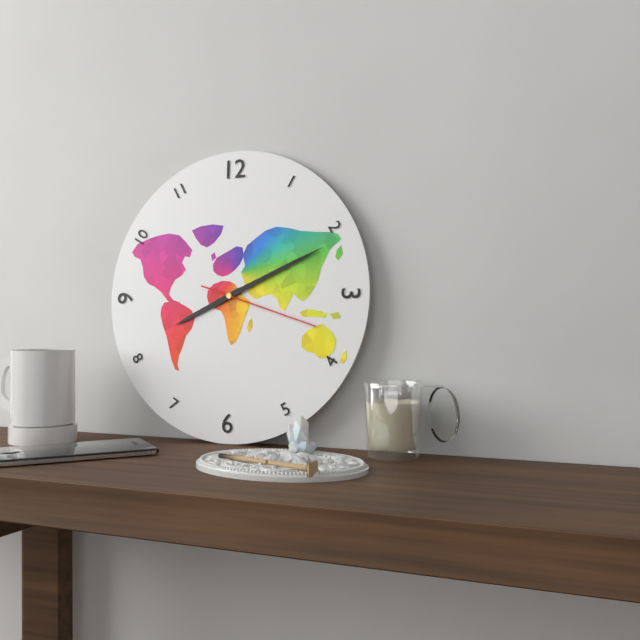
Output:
**8:11:18**
